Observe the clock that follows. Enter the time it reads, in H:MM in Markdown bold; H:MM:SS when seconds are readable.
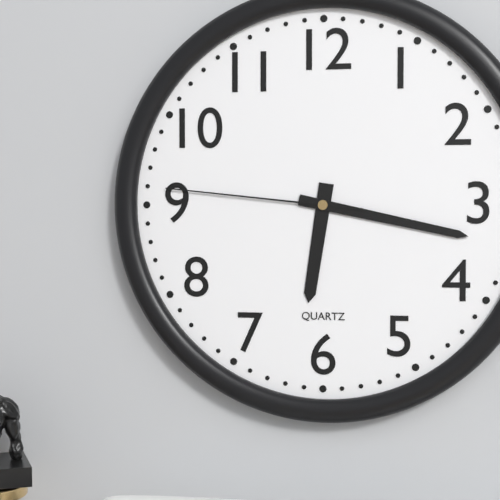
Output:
**6:17:46**
